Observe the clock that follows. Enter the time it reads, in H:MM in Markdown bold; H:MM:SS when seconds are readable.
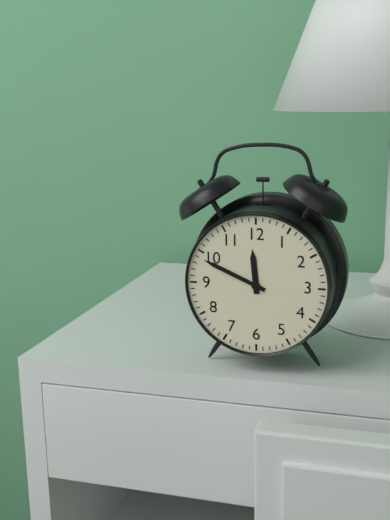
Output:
**11:49**
